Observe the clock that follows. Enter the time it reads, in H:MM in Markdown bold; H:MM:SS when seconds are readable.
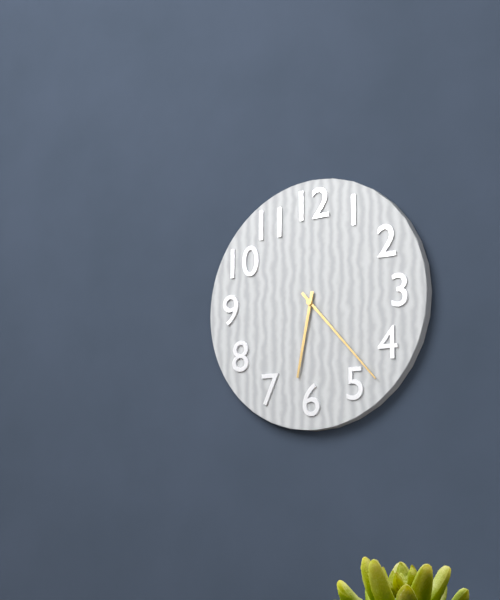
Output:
**6:23**
